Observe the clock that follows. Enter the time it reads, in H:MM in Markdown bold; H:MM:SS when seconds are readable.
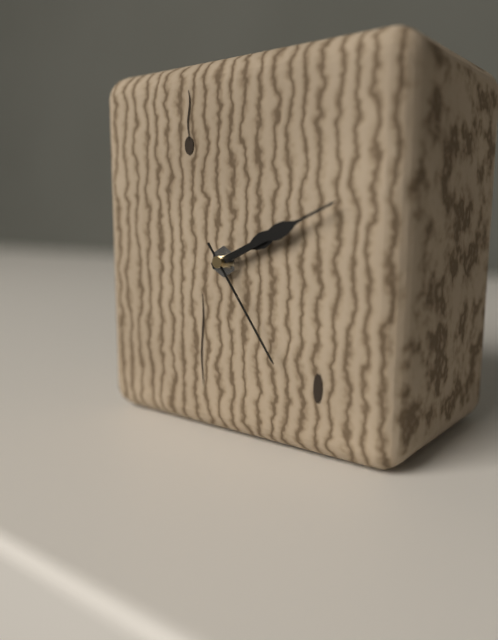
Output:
**2:11:24**
